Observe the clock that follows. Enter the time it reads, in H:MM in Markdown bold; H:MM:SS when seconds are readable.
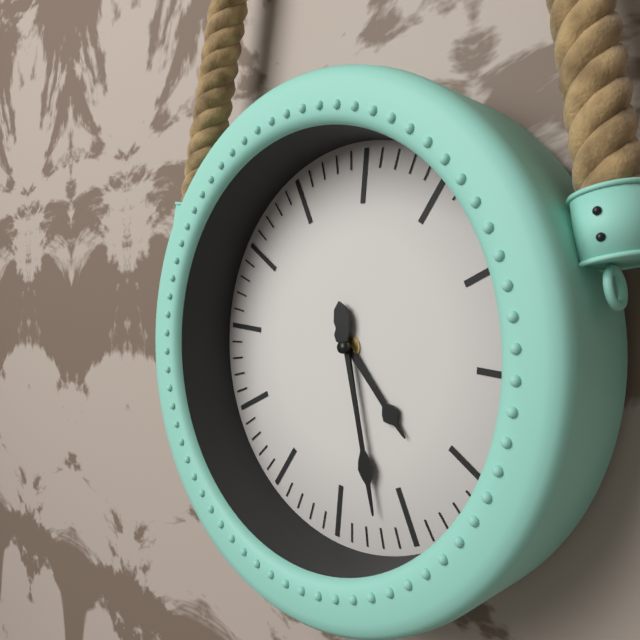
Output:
**4:27**
